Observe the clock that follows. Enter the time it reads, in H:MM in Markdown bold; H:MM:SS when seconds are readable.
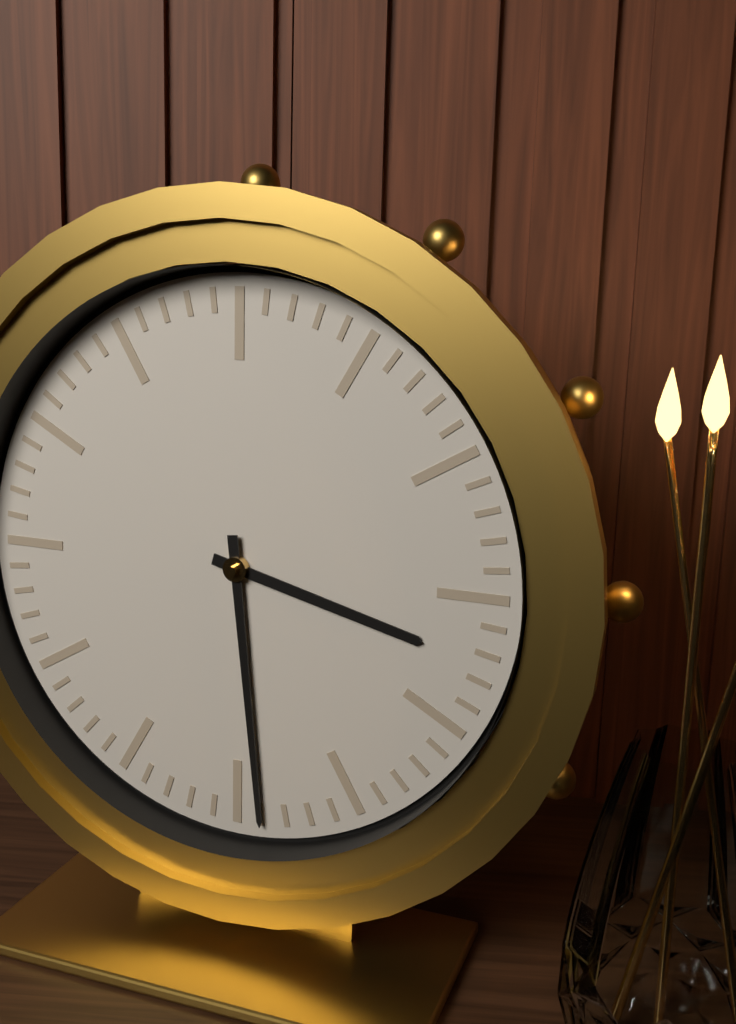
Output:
**3:29**
